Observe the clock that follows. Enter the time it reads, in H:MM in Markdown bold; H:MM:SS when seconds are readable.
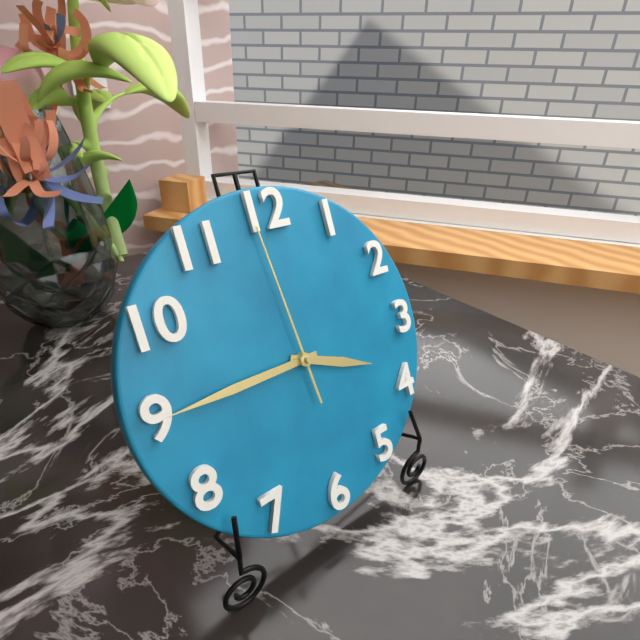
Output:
**3:45:59**
